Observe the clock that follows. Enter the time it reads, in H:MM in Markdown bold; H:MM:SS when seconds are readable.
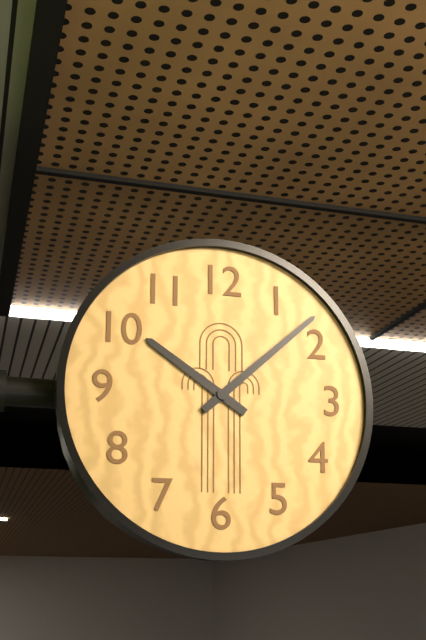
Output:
**10:08**
